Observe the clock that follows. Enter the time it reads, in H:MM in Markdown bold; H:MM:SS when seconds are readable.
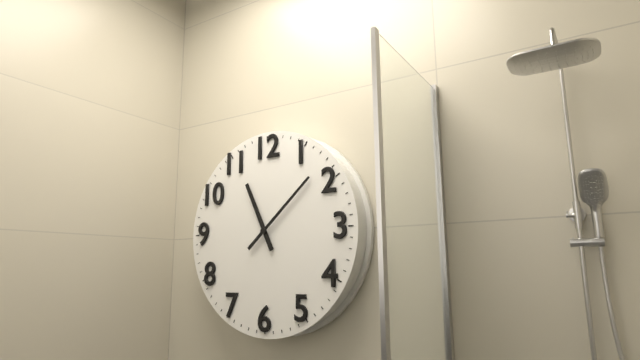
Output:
**11:08**
